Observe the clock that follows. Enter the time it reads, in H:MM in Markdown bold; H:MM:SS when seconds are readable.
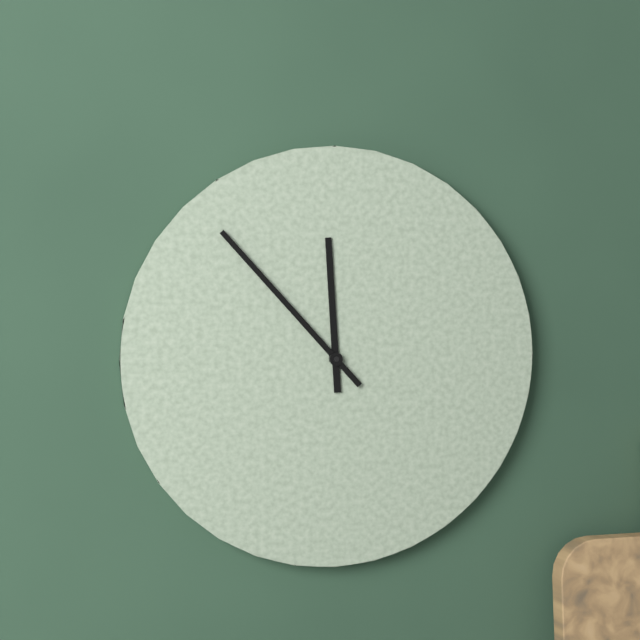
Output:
**11:53**
